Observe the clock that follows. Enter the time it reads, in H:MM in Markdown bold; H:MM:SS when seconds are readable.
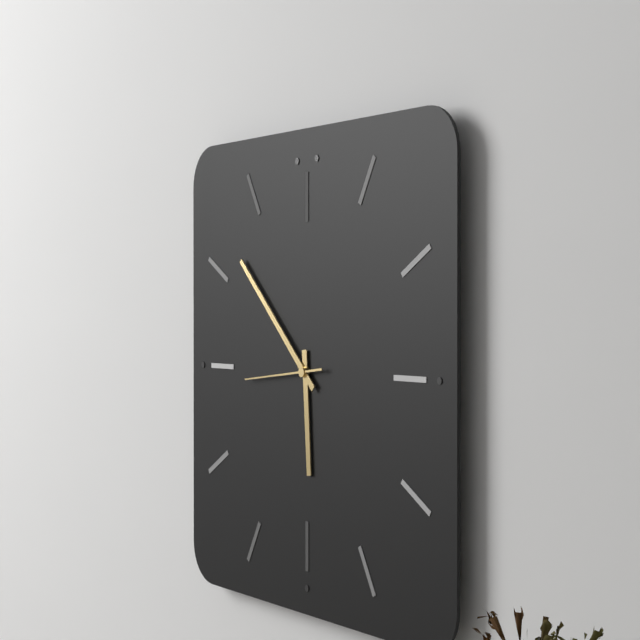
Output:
**5:52:44**
